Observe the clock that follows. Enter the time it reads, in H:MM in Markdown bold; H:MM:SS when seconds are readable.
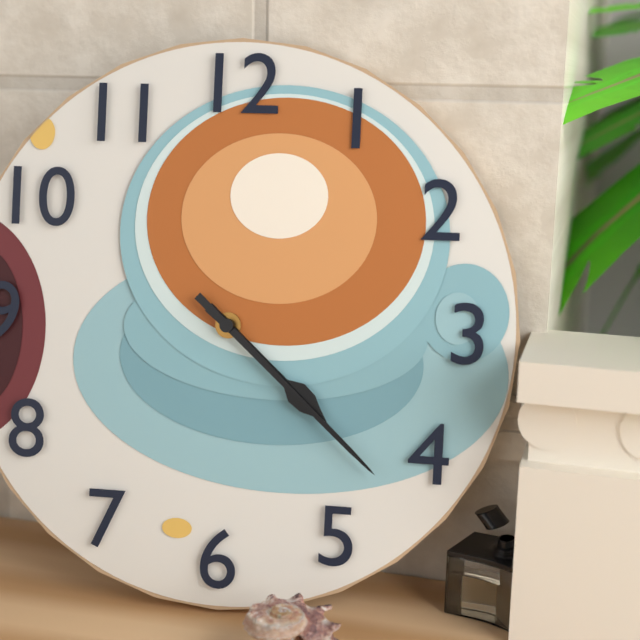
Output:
**4:22**
